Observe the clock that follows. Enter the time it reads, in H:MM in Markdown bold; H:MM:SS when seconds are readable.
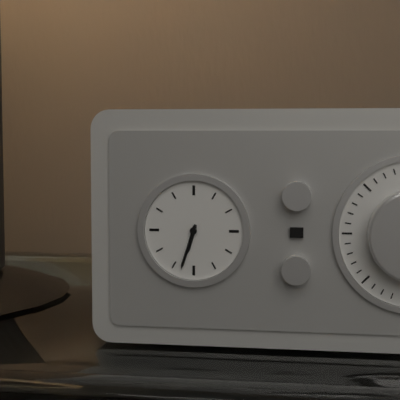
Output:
**6:33**
